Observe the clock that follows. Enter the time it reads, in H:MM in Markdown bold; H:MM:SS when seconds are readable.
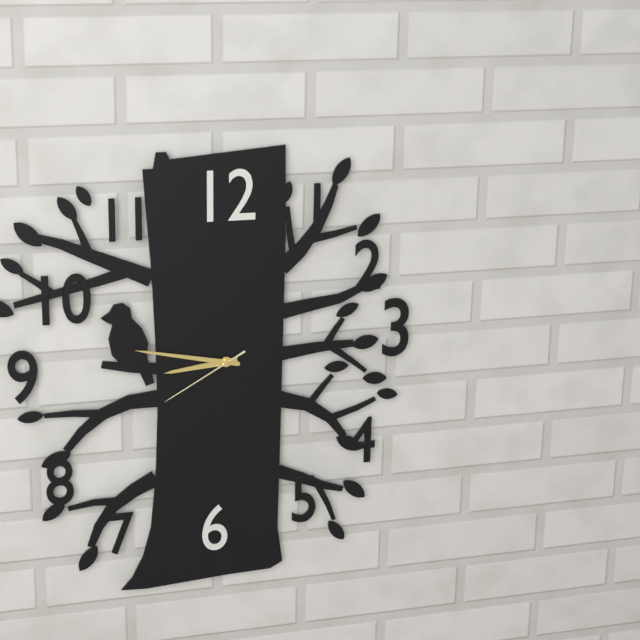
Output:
**8:47:40**
